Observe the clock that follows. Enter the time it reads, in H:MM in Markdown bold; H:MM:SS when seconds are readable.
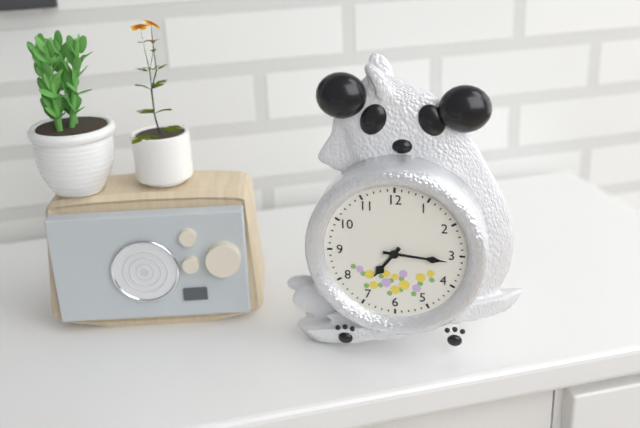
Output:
**7:16**
